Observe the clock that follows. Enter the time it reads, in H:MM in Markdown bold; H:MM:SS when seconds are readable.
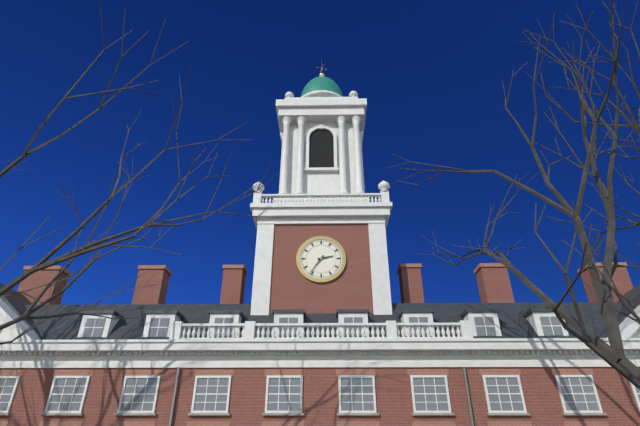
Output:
**2:36**
